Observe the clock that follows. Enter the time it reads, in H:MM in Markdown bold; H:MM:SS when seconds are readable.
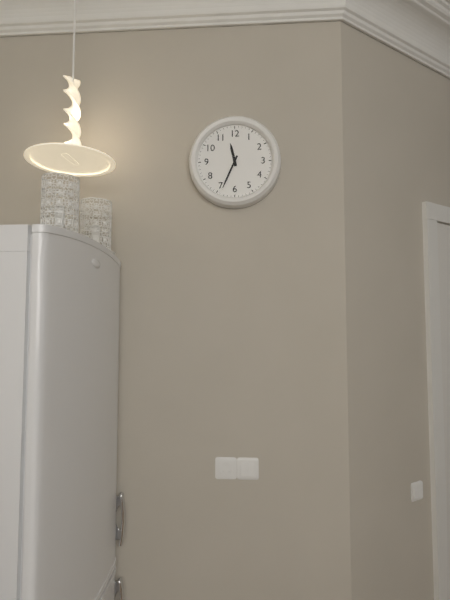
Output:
**11:34**
